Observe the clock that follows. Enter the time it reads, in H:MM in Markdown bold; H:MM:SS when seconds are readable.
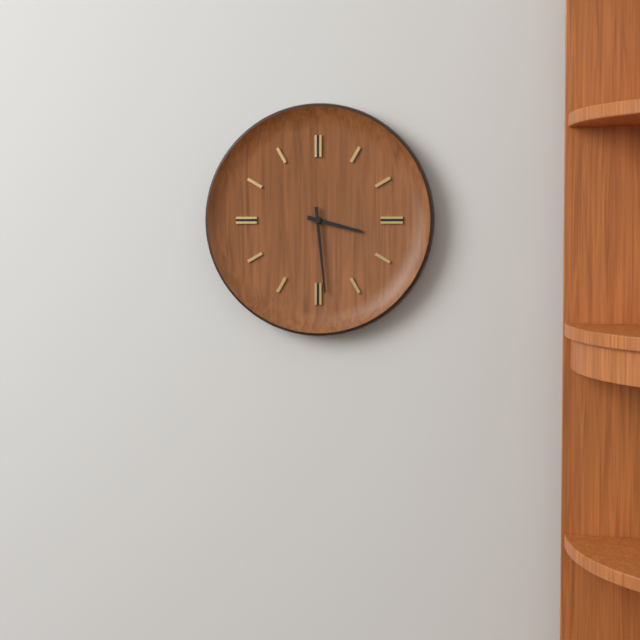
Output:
**3:29**
